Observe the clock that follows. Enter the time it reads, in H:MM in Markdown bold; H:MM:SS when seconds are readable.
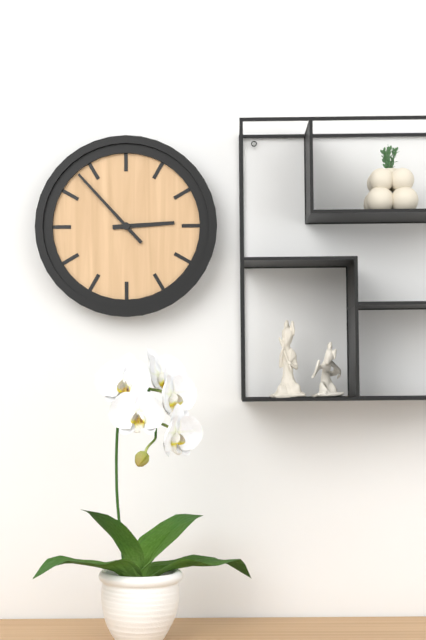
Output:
**2:53**
